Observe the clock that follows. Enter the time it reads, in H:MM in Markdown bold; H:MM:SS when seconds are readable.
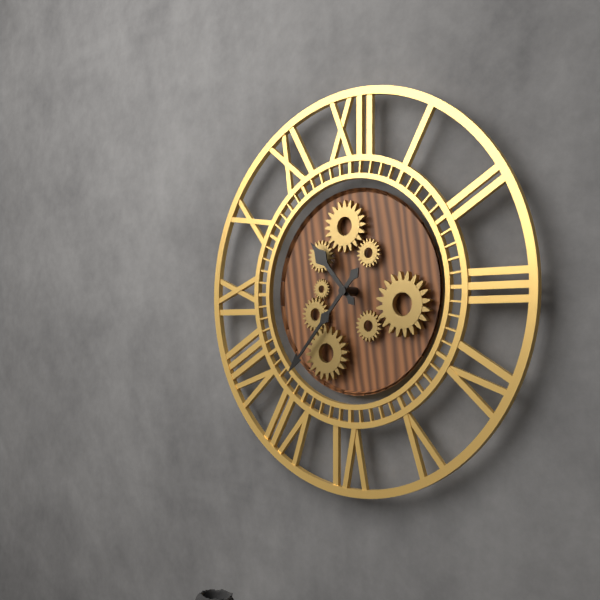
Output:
**10:37**
